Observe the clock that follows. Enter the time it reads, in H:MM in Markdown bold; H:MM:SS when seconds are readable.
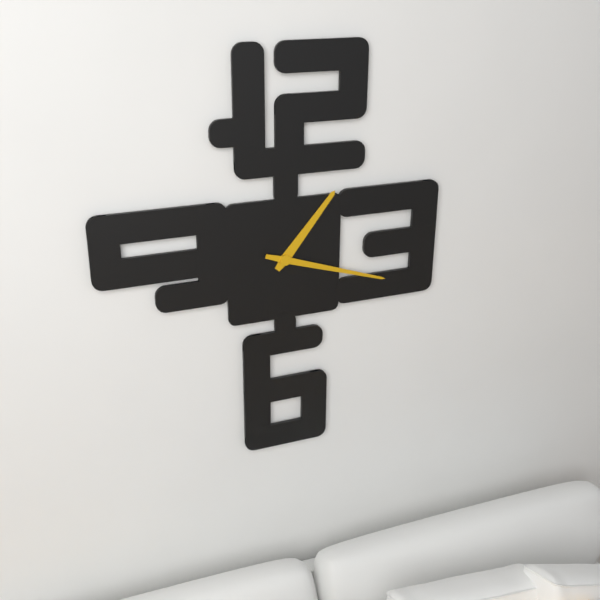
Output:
**1:18**
